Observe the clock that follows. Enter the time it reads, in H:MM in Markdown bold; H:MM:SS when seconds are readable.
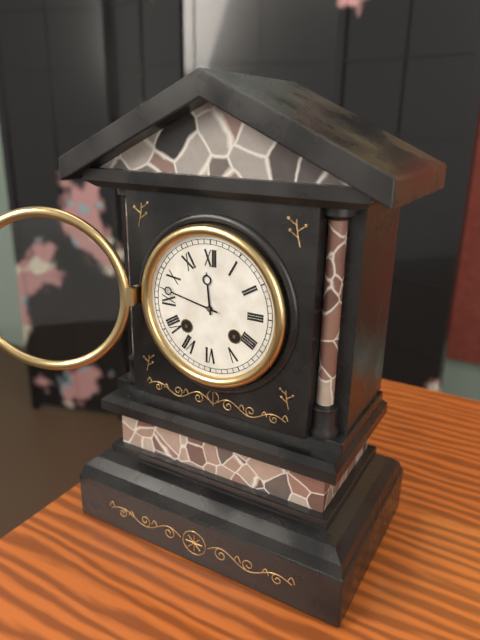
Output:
**11:47**
